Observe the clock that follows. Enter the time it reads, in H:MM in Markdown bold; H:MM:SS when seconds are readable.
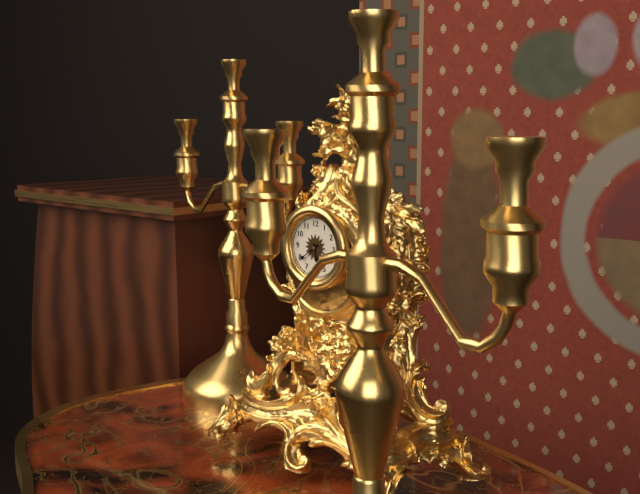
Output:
**5:39**
